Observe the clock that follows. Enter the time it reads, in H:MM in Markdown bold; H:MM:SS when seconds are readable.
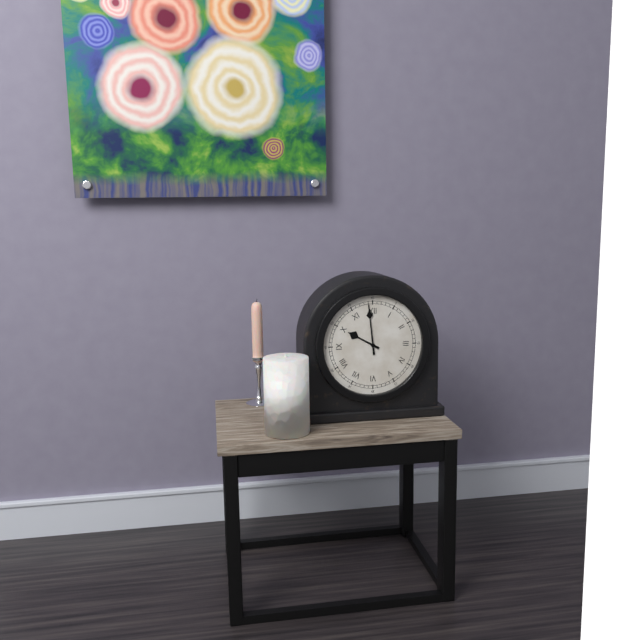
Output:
**9:59**
